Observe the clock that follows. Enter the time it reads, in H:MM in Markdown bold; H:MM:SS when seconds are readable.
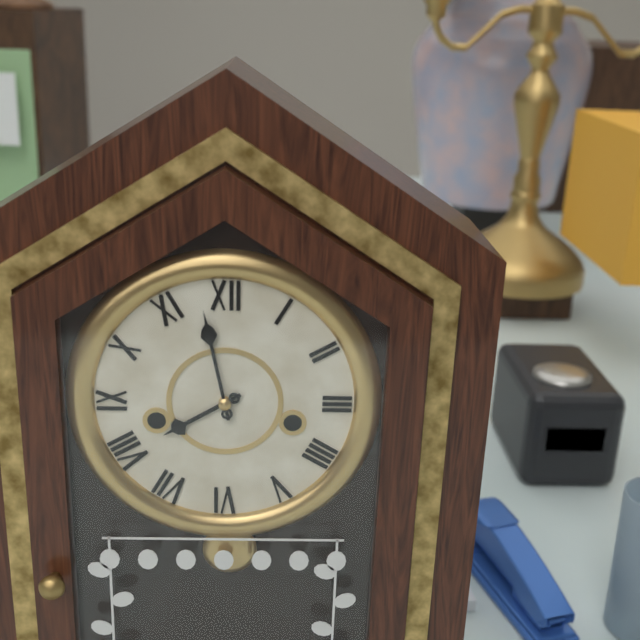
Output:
**7:58**
